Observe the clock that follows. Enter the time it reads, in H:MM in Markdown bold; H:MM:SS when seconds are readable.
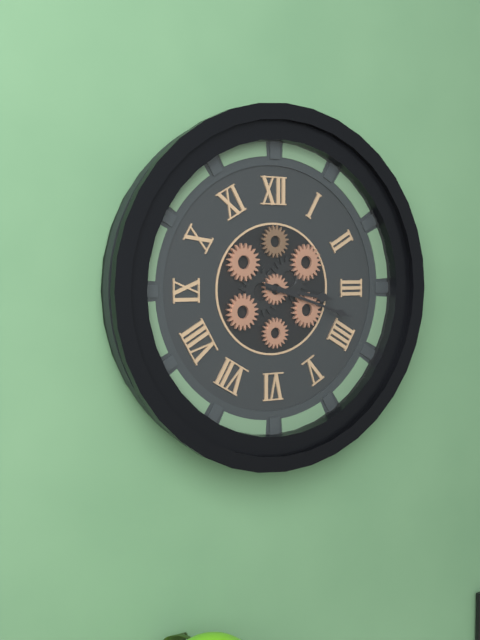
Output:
**3:18**
